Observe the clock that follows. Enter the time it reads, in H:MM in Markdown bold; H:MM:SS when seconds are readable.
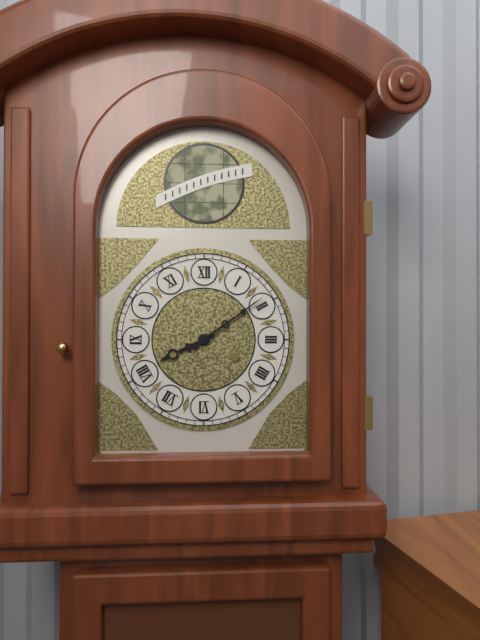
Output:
**8:09**
